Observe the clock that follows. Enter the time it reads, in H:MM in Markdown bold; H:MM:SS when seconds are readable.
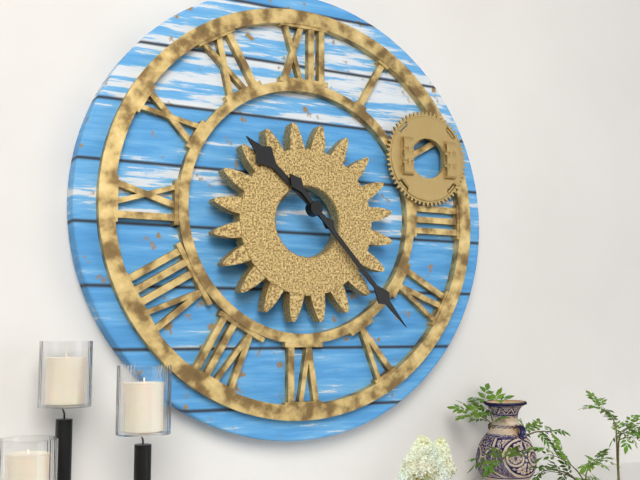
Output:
**10:23**
